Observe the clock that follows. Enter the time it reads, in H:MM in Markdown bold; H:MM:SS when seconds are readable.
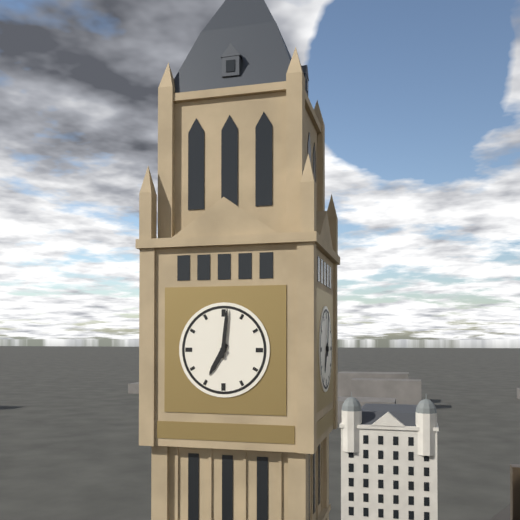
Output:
**7:01**
